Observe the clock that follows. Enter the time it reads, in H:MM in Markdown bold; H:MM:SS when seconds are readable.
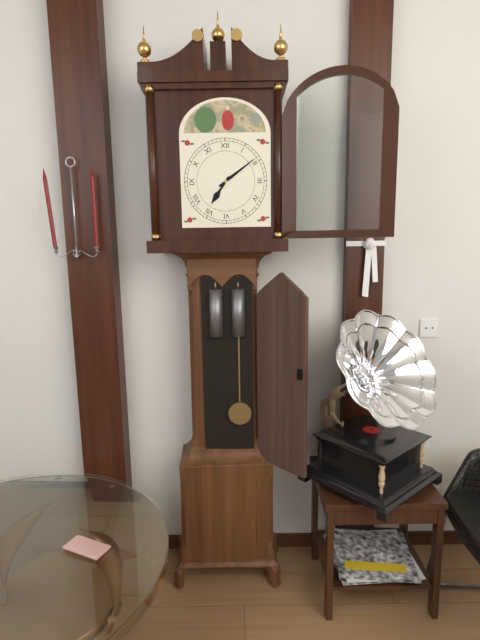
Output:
**7:09**
